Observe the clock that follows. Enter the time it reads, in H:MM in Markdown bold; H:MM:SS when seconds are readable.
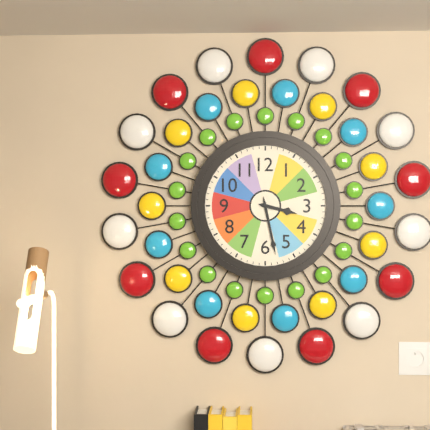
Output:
**3:28**
